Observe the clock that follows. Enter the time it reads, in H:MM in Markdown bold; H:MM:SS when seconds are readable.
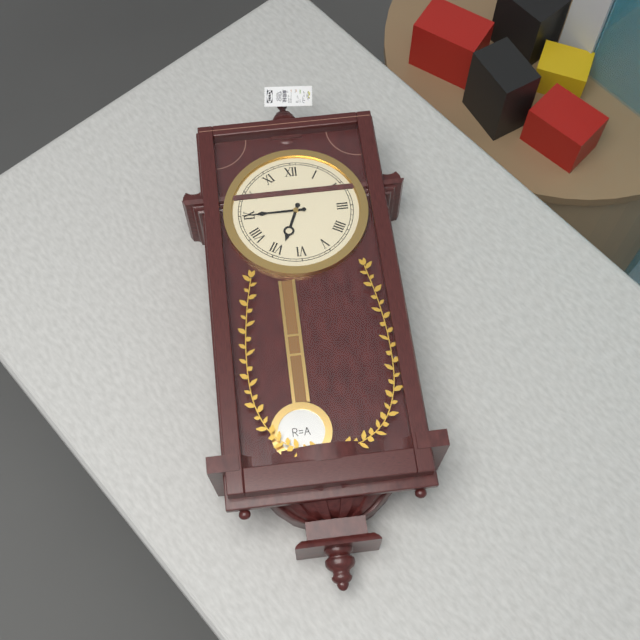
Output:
**6:45**
